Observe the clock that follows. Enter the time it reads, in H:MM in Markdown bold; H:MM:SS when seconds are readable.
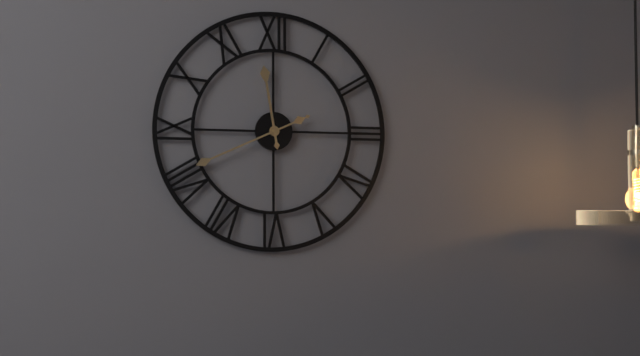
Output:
**11:41**
